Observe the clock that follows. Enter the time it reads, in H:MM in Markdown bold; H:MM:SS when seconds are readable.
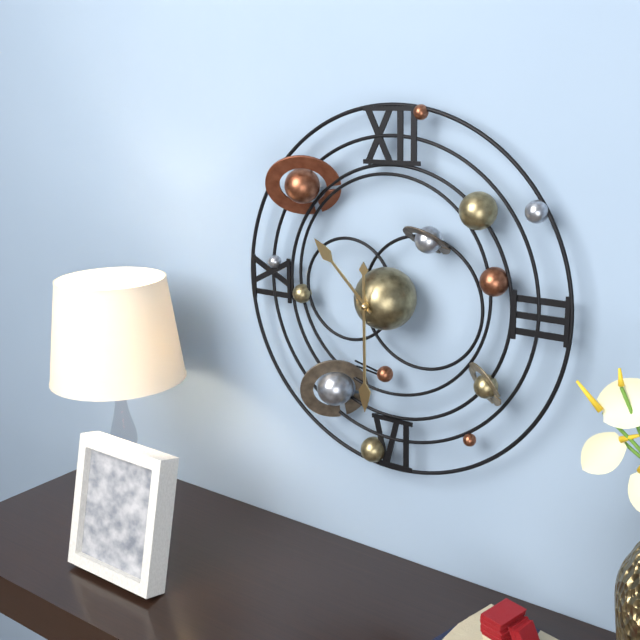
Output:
**10:30**
